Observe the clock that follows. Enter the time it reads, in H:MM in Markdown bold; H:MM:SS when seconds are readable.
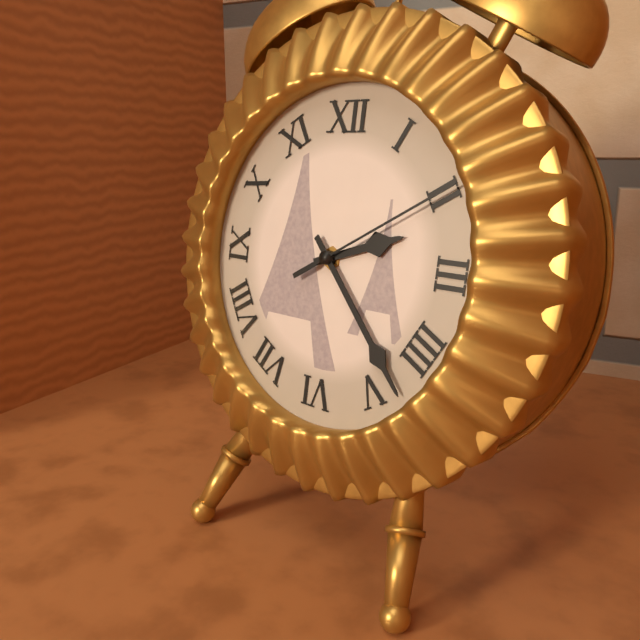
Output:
**2:23:10**
